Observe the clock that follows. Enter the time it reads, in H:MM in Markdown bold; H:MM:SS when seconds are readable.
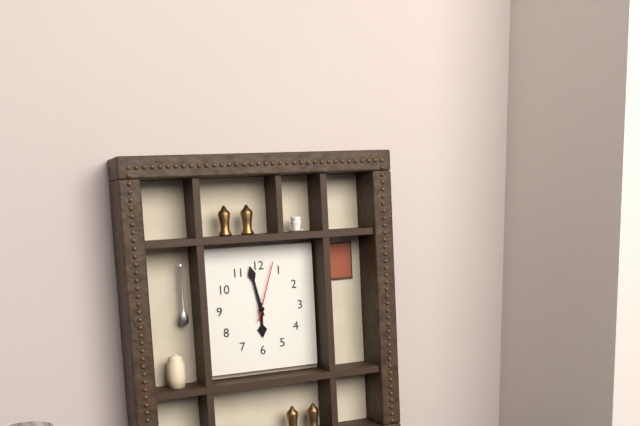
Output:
**5:58:03**
